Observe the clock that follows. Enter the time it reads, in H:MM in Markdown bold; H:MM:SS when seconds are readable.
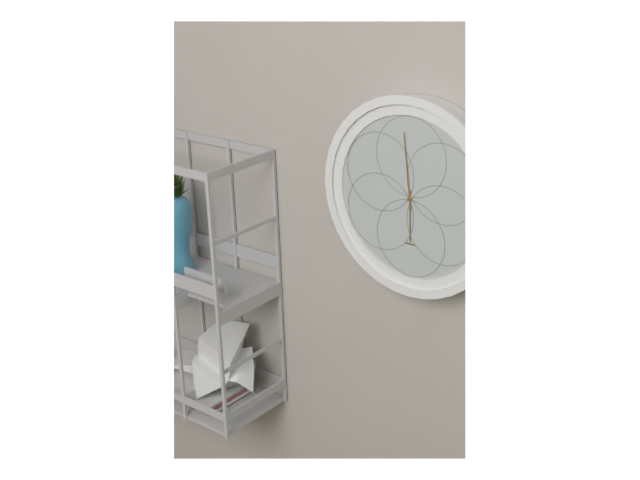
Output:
**5:59**
